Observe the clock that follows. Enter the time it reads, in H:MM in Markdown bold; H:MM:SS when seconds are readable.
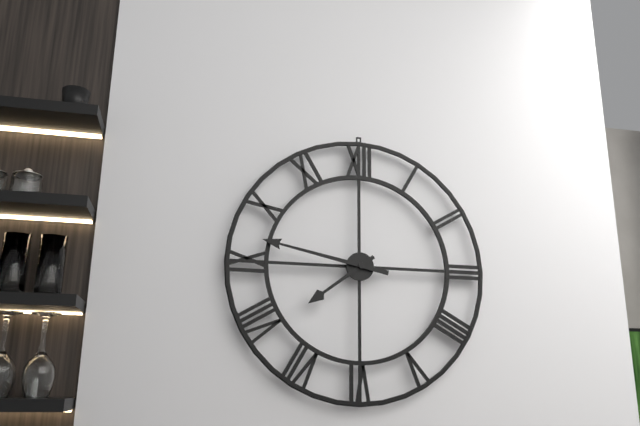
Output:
**7:47**
